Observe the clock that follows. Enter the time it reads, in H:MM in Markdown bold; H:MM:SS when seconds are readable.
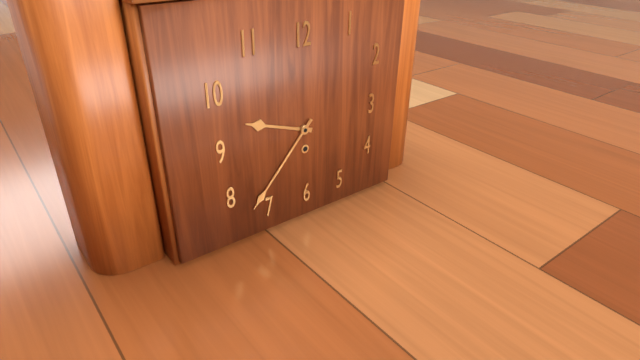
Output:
**9:37**
